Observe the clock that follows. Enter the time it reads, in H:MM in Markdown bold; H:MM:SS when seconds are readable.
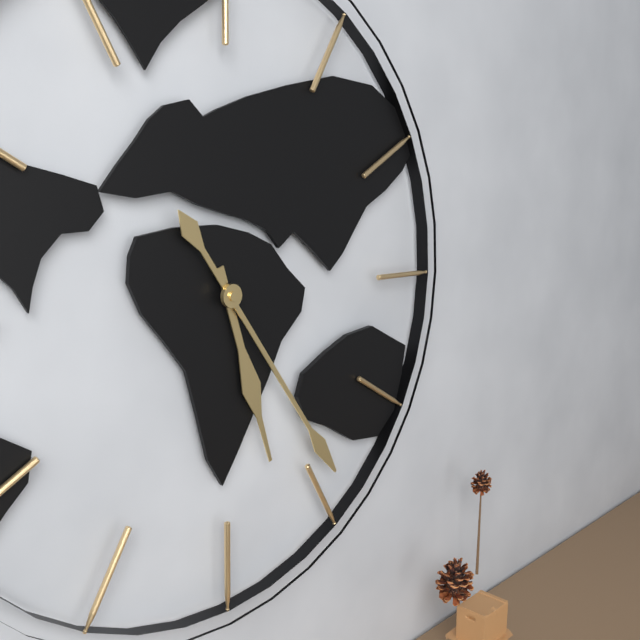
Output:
**5:24**
